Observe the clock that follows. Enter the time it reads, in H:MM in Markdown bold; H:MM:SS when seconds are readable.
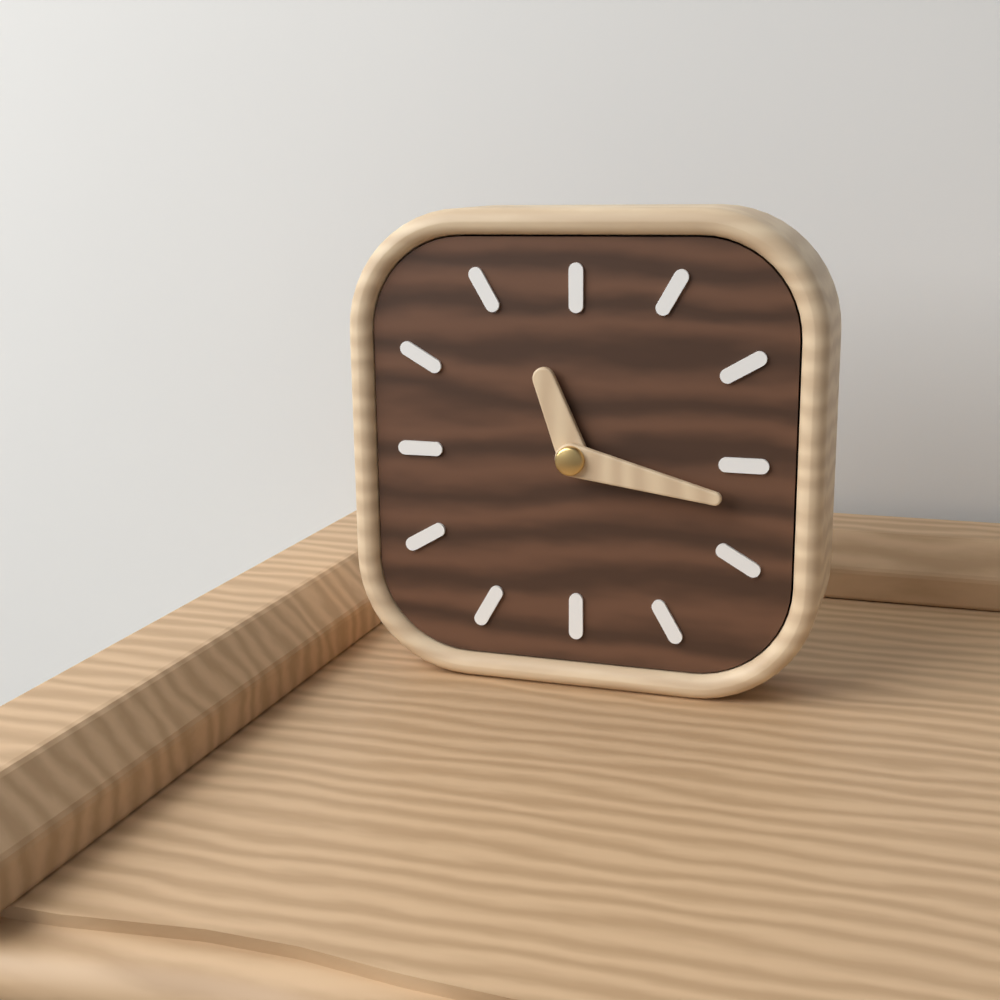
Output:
**11:17**
